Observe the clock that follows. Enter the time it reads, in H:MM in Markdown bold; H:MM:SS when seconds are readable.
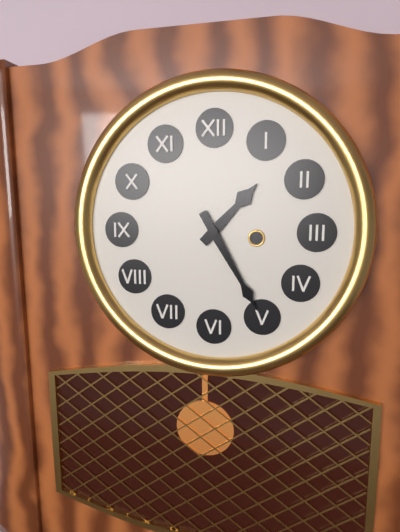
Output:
**1:25**
